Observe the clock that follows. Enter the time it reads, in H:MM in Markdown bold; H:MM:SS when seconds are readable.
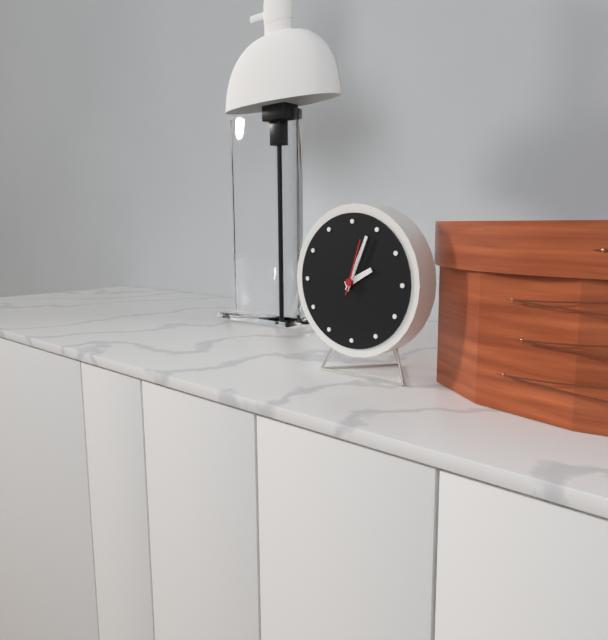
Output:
**2:04:03**
